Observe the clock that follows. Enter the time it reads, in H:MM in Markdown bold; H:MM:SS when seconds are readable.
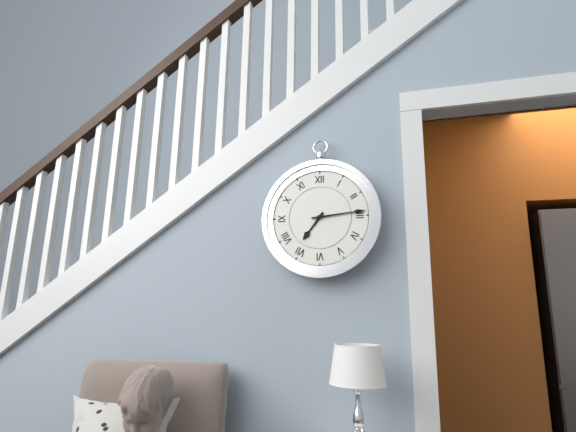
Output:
**7:14**
